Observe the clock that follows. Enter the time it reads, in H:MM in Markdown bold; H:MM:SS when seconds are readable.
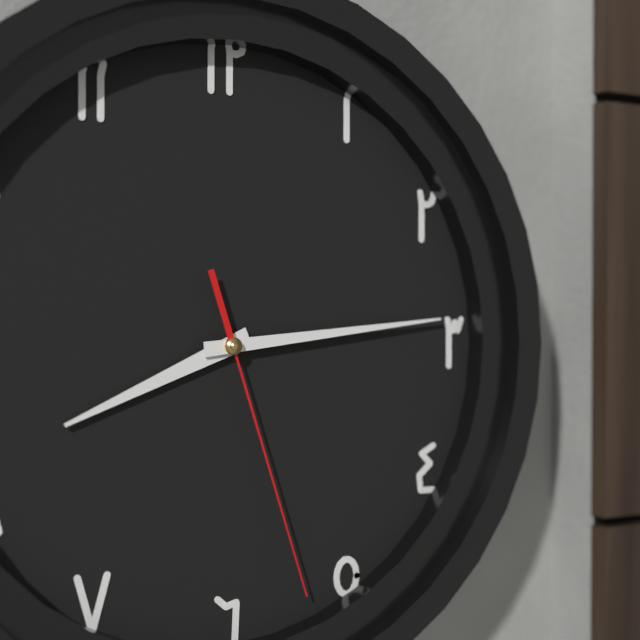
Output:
**8:14:27**
